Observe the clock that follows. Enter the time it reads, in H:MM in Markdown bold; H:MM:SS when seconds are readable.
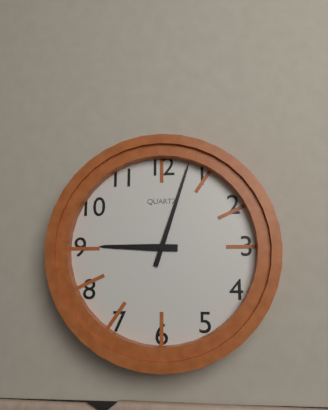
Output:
**9:03**
